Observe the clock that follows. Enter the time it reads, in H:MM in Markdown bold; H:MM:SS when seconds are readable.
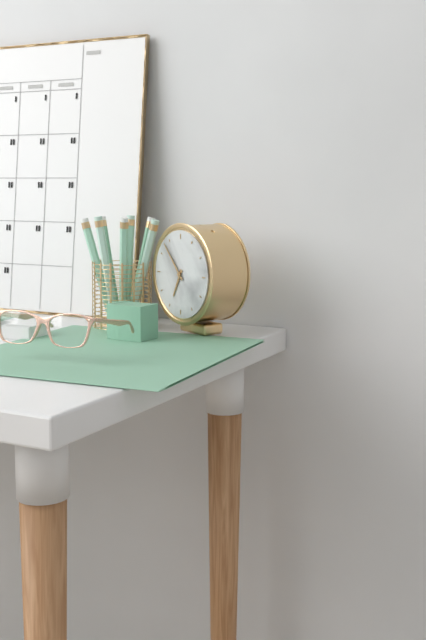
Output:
**6:53**
